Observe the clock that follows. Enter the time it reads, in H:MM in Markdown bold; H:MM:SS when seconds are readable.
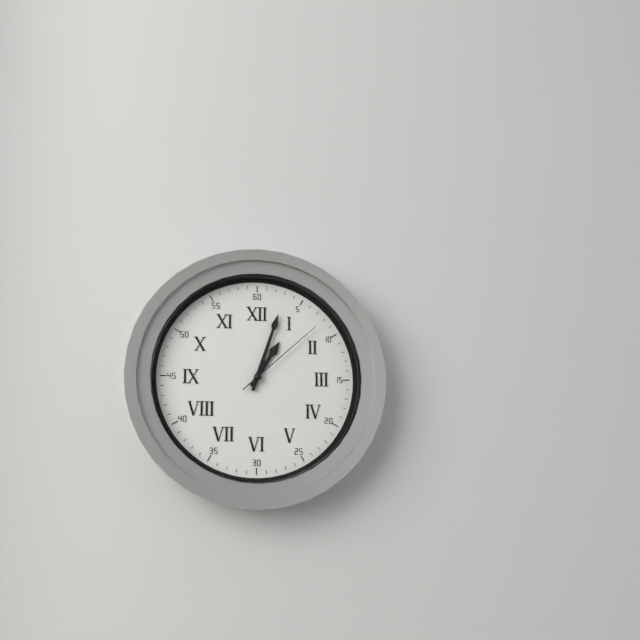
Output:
**1:03:08**
